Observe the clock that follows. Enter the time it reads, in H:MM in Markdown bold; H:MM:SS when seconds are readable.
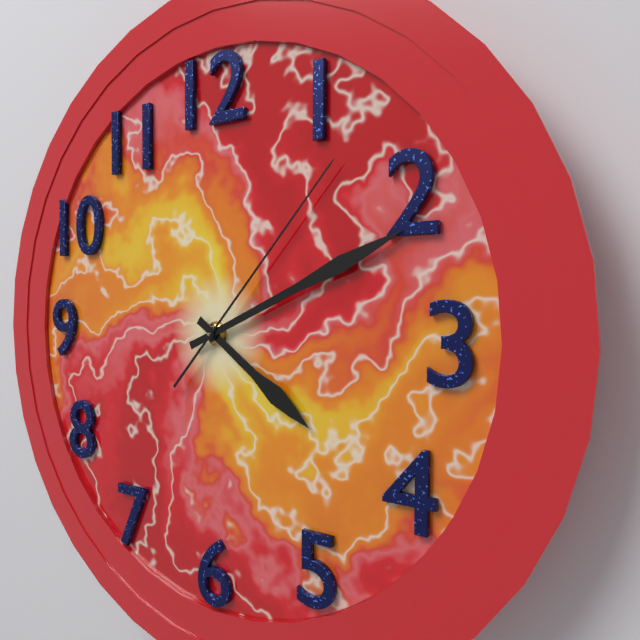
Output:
**4:11:07**
